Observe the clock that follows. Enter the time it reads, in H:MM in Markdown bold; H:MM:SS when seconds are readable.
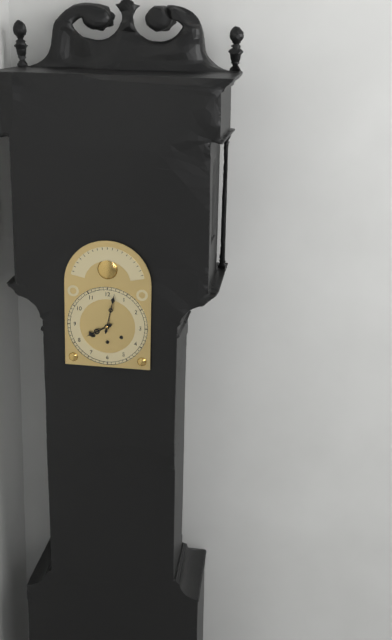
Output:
**8:02**
